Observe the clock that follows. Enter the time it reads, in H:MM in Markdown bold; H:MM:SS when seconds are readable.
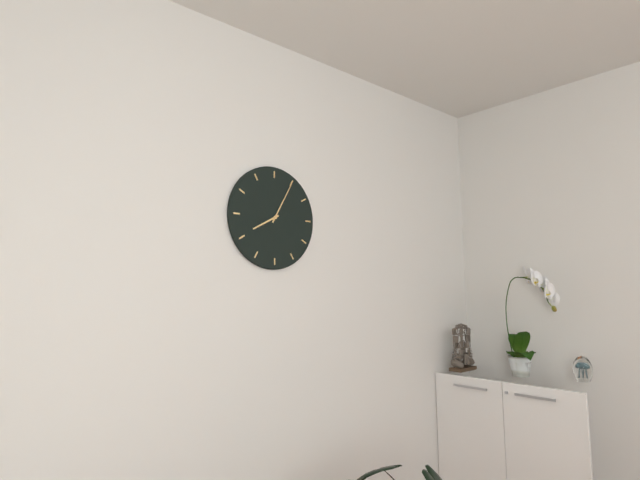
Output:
**8:05**
